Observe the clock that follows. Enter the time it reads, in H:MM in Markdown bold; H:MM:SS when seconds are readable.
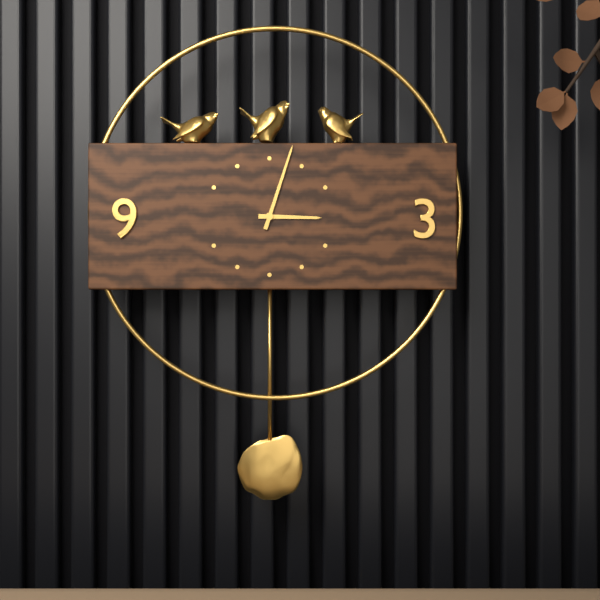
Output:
**3:03**
